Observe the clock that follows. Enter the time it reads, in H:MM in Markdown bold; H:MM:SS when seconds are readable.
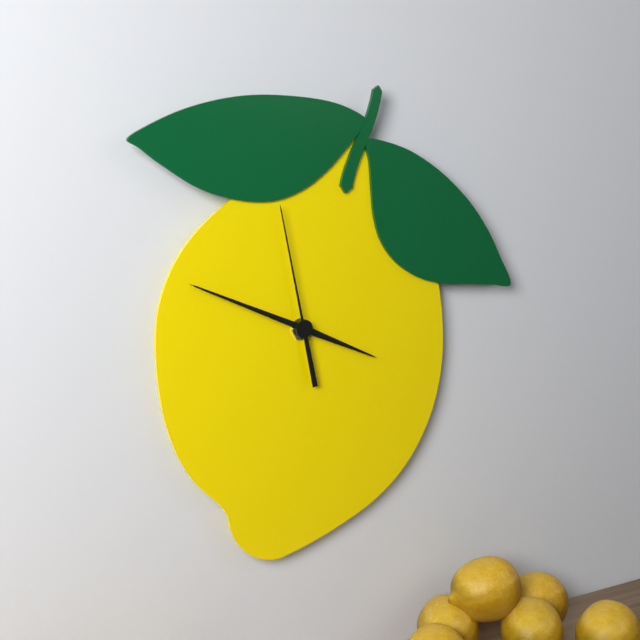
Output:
**3:49:58**
